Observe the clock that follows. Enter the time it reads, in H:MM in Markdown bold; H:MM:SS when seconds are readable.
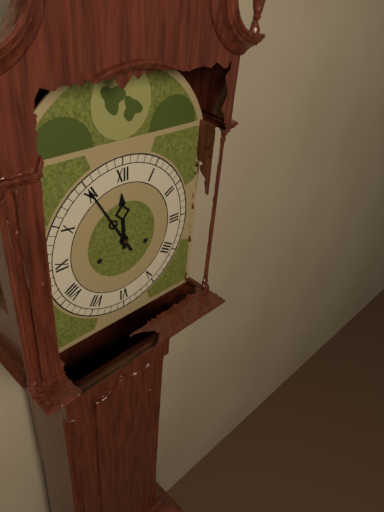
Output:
**11:55**
